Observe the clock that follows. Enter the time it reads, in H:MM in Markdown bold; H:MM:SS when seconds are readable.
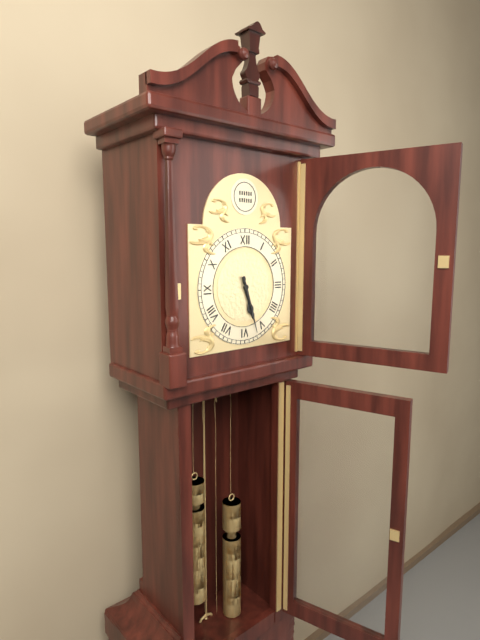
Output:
**5:27**
